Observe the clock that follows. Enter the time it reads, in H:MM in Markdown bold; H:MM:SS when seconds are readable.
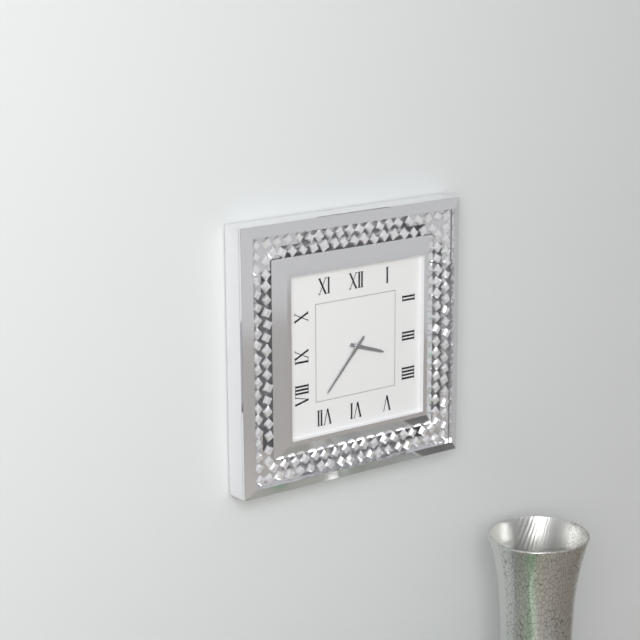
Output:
**3:37**
